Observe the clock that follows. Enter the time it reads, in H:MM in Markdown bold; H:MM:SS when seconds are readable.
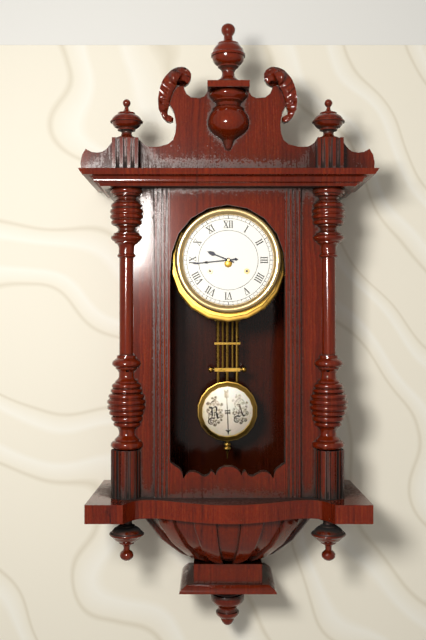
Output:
**9:44**
